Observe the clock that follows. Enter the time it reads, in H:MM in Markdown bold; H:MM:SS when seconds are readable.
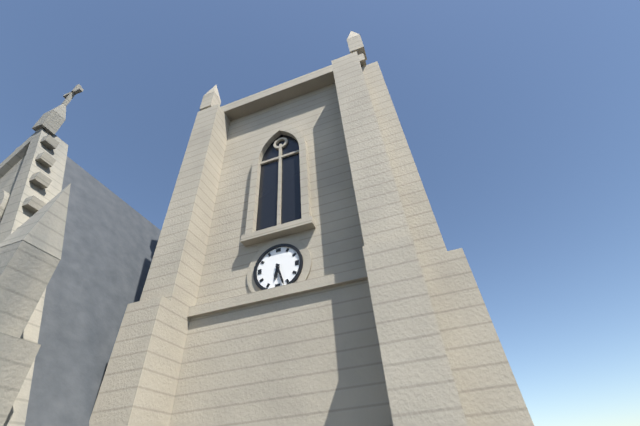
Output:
**6:27**
